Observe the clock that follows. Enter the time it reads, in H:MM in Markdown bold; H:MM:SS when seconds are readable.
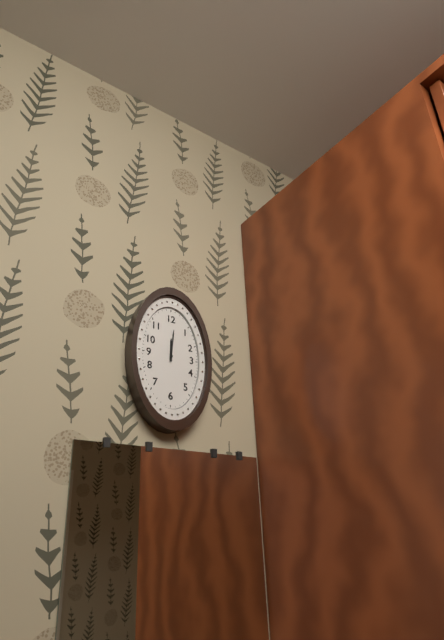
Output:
**12:01**
